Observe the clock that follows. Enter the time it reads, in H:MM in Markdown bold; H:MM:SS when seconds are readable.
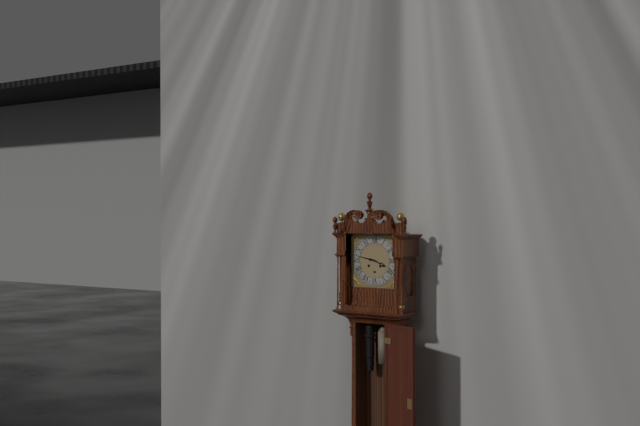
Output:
**3:47**
